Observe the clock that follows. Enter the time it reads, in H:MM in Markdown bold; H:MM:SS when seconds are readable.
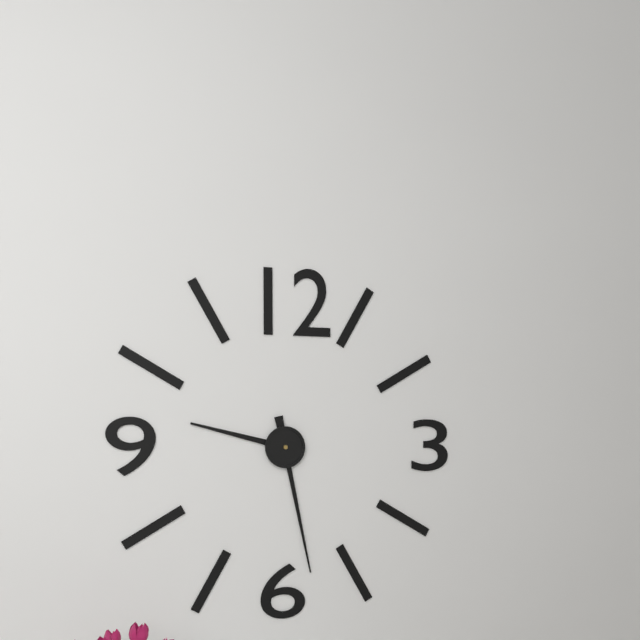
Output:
**9:28**
